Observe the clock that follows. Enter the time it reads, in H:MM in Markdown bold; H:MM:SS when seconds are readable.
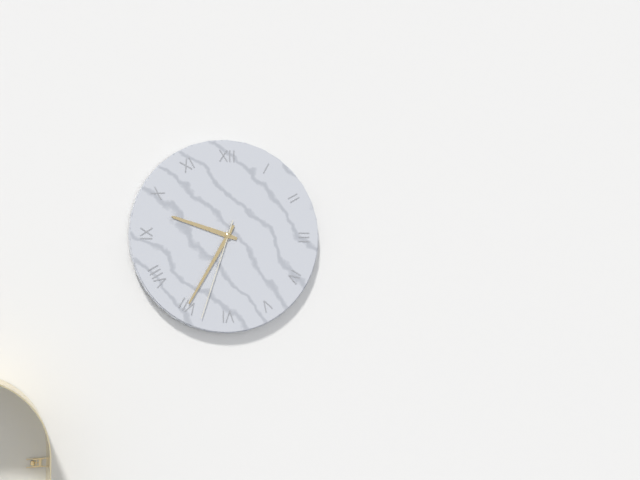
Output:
**9:35:33**
